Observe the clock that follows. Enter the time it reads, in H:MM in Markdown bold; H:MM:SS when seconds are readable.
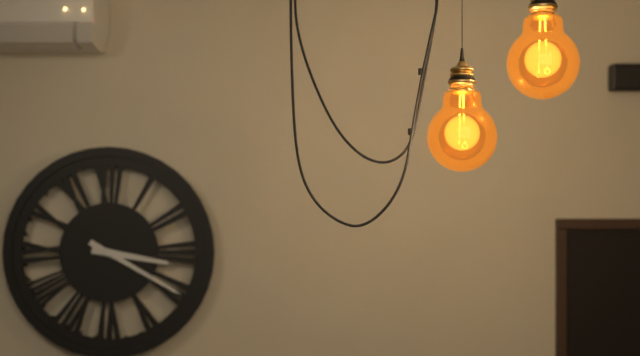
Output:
**3:20**
